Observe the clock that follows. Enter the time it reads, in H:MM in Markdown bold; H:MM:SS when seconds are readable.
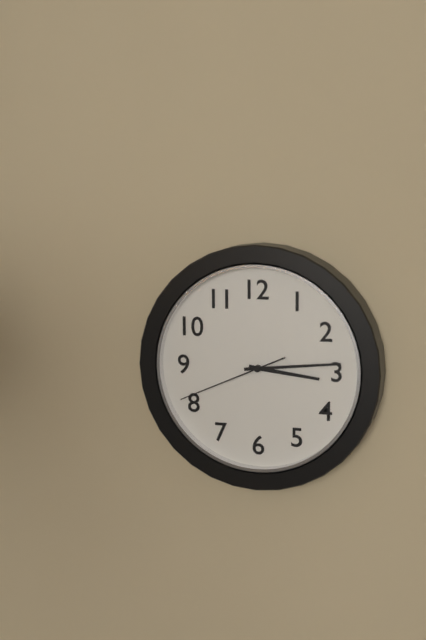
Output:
**3:14:41**
